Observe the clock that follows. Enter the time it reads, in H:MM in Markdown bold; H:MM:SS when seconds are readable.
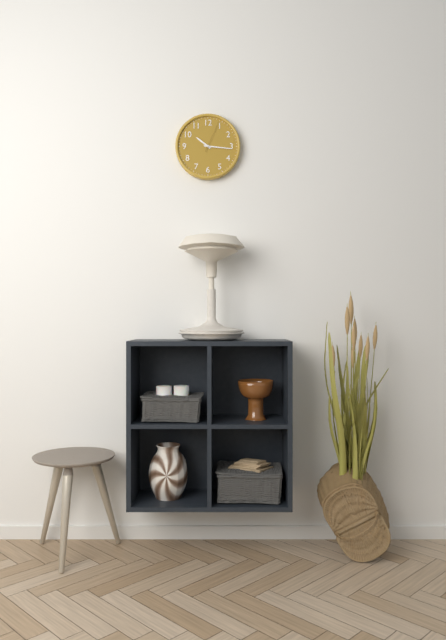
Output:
**10:16**
